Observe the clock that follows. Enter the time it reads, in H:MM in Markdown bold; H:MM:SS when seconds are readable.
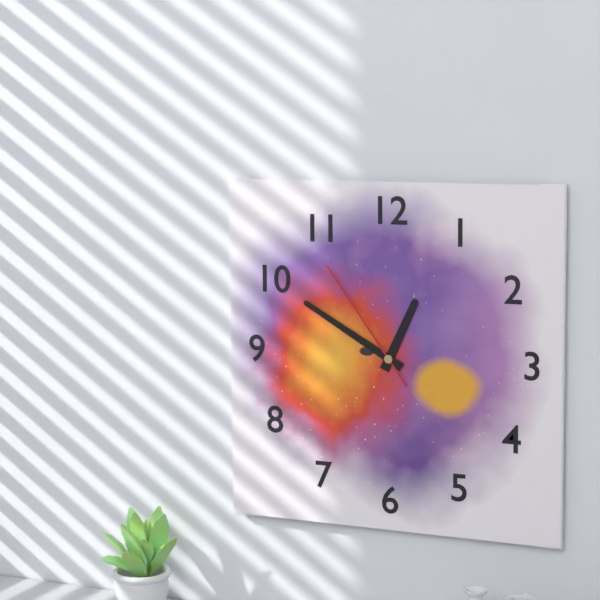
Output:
**12:50:54**
